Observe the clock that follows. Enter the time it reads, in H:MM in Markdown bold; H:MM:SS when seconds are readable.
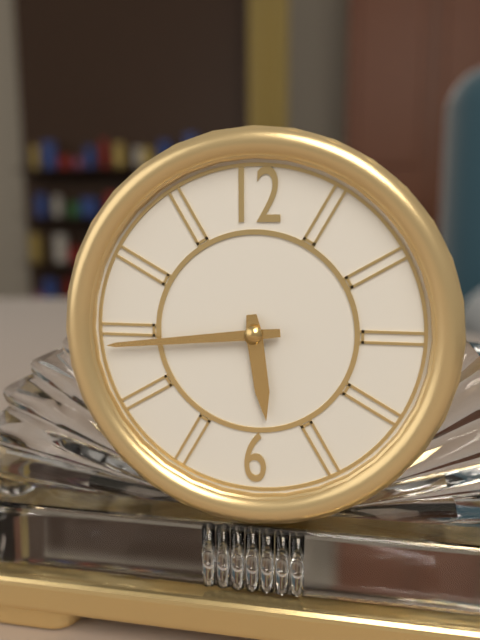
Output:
**5:44**
